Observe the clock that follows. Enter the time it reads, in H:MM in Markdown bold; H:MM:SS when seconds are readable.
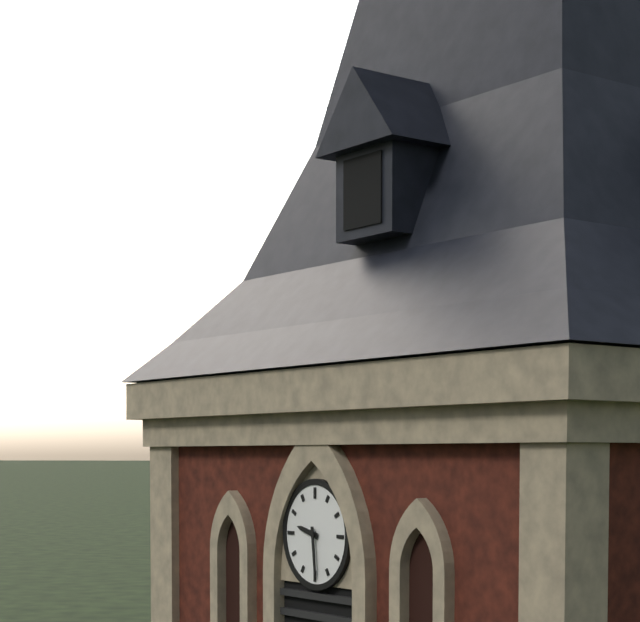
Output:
**9:29**
